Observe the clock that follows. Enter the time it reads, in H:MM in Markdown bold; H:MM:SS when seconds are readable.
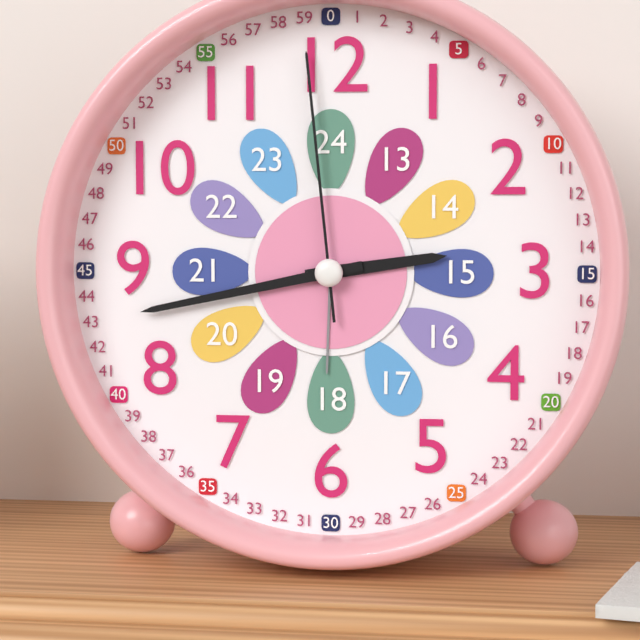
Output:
**2:43:59**
